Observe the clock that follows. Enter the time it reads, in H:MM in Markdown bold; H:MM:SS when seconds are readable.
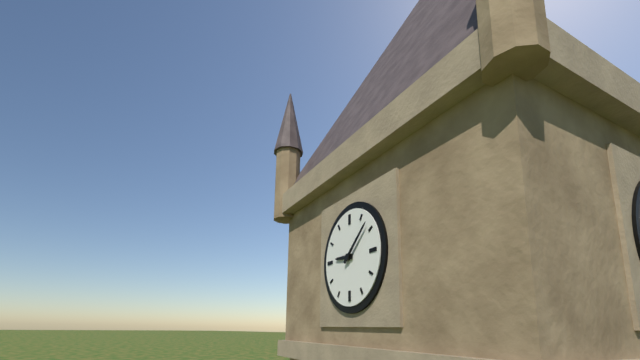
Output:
**9:08**
